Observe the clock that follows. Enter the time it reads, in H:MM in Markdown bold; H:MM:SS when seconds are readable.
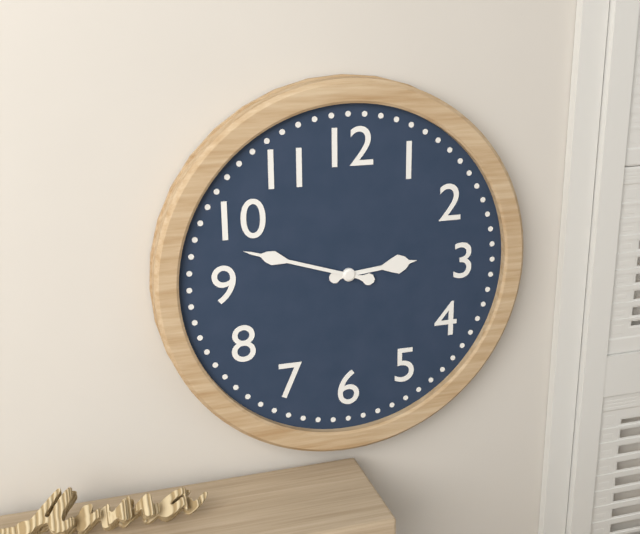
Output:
**2:48**
